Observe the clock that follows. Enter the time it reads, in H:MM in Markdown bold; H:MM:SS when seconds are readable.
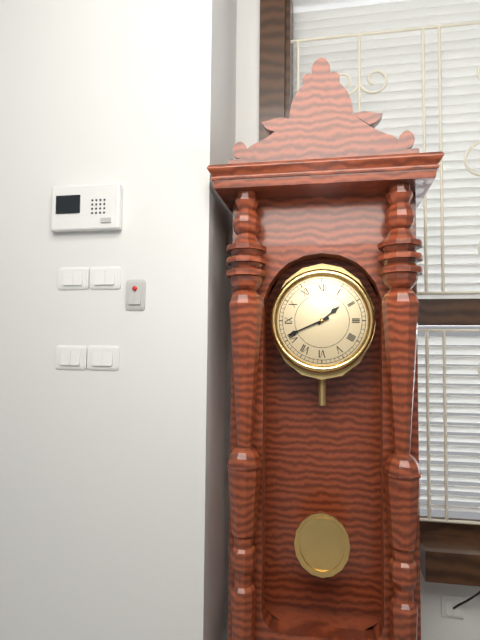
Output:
**1:41**
